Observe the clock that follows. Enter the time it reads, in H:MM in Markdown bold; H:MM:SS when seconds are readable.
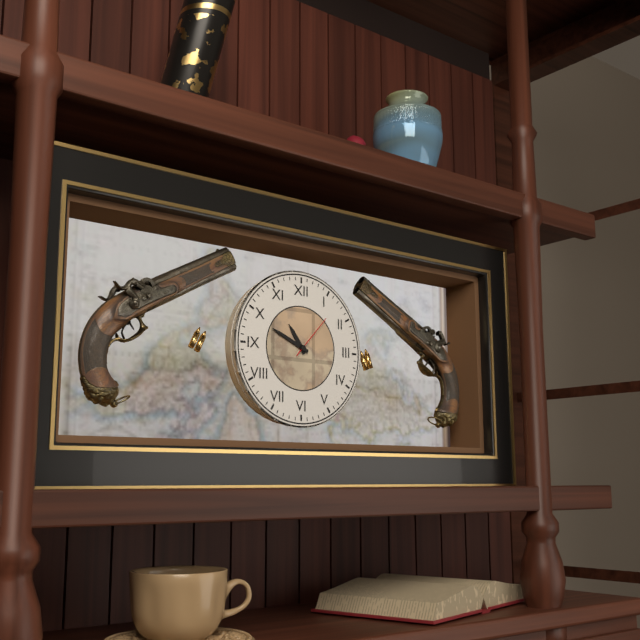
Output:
**10:49**
